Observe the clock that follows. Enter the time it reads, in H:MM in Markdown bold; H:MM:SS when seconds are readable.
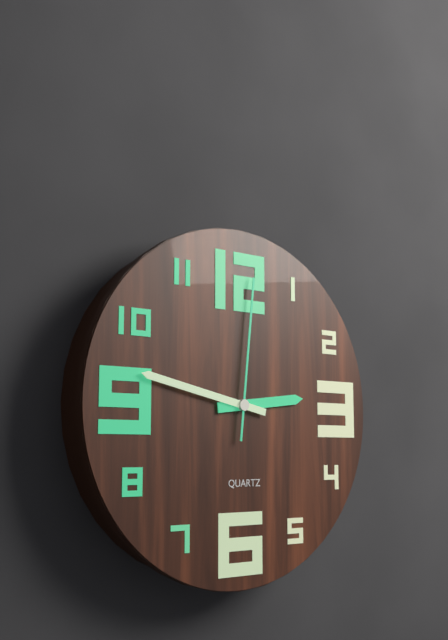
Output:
**2:47:01**
